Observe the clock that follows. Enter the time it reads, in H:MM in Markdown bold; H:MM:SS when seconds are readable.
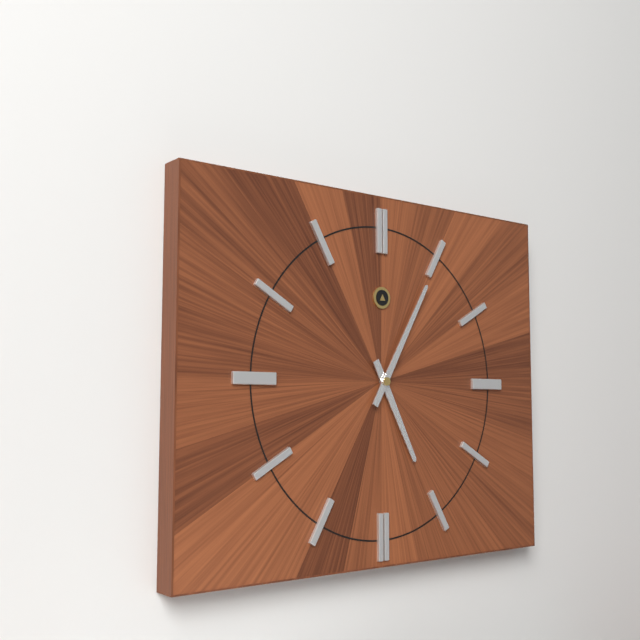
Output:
**5:05**
